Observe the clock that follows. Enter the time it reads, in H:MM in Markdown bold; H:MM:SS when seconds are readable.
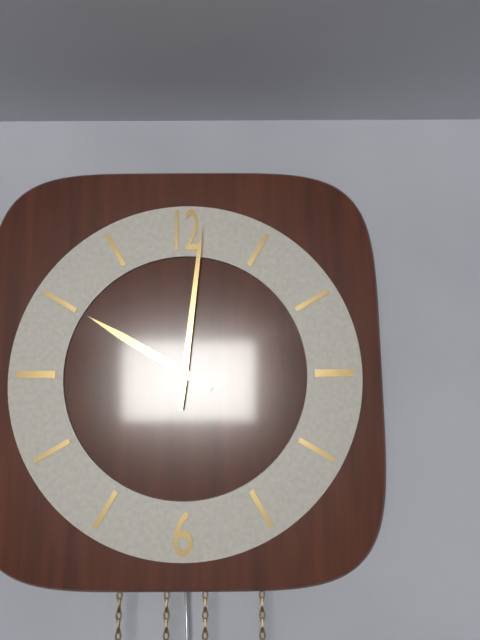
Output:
**10:01**
